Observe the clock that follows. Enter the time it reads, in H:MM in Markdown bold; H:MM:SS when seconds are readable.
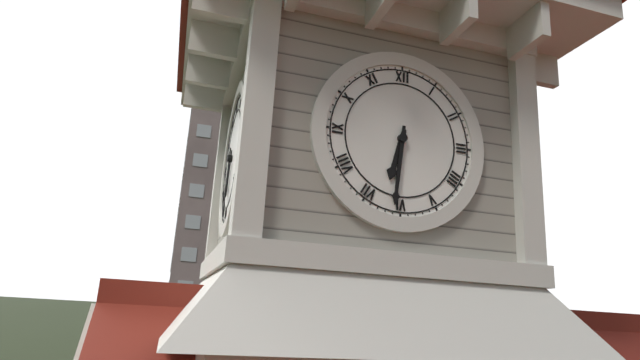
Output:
**6:31**
